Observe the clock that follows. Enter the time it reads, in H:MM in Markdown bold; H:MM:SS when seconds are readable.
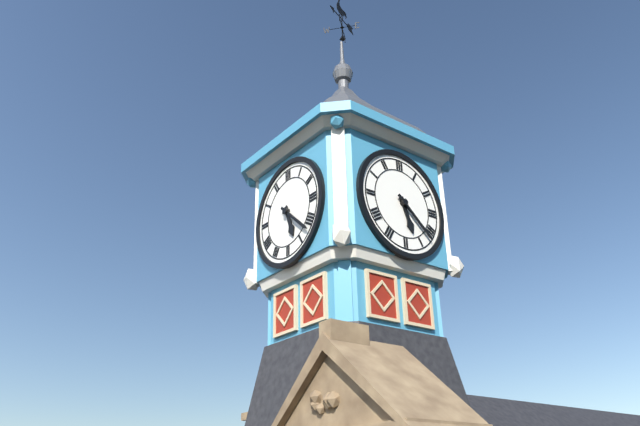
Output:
**5:22**
